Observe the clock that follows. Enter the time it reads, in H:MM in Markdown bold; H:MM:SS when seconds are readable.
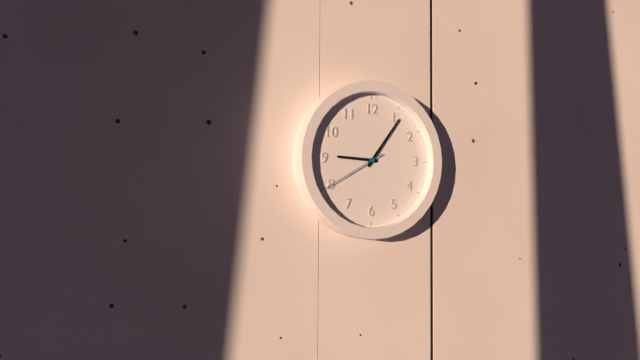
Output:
**9:06:40**
